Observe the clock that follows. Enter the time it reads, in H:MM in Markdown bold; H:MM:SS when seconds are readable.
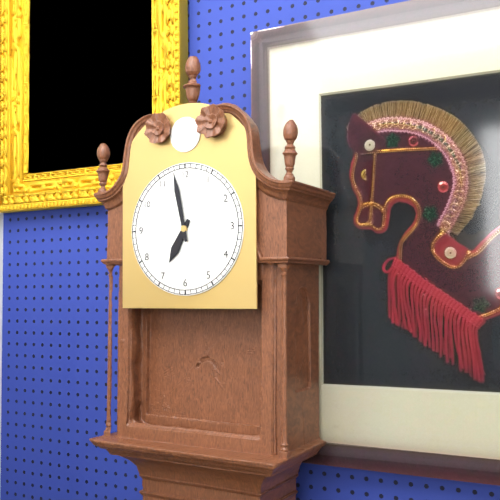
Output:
**6:58**
